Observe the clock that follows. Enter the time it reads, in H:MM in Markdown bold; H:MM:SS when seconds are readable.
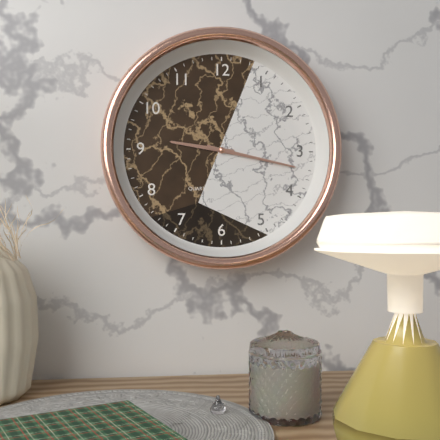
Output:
**9:17**
